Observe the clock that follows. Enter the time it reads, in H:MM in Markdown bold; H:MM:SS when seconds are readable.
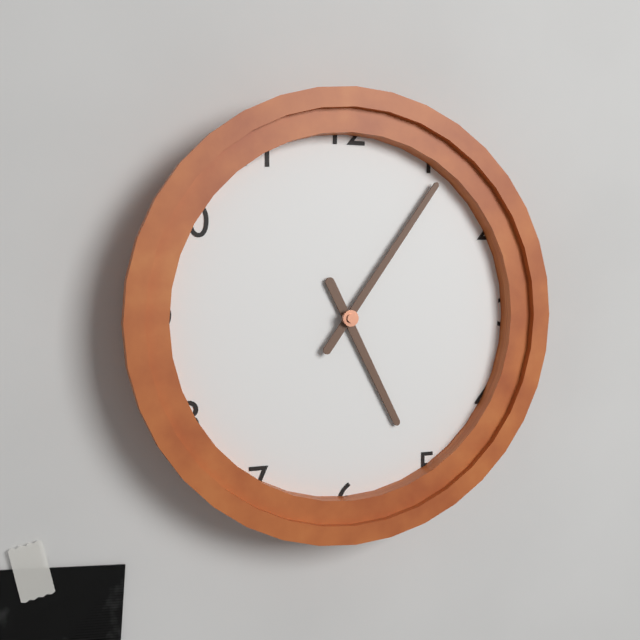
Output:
**5:06**
